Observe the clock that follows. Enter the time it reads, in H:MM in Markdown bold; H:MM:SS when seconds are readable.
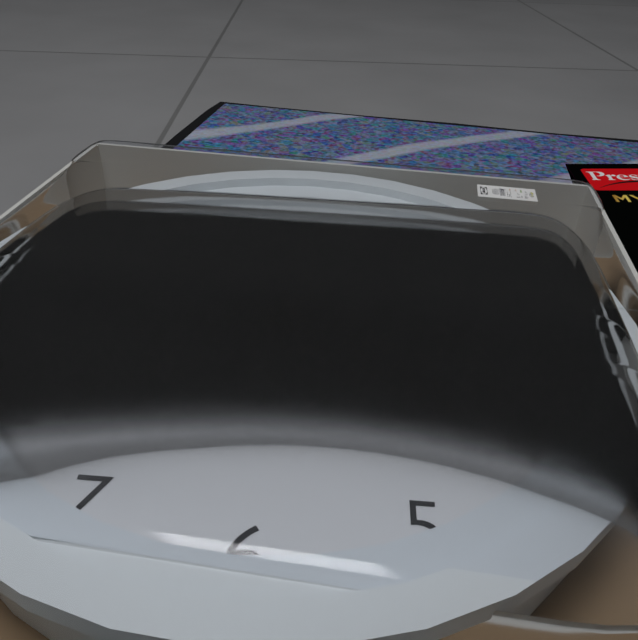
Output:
**4:01**
